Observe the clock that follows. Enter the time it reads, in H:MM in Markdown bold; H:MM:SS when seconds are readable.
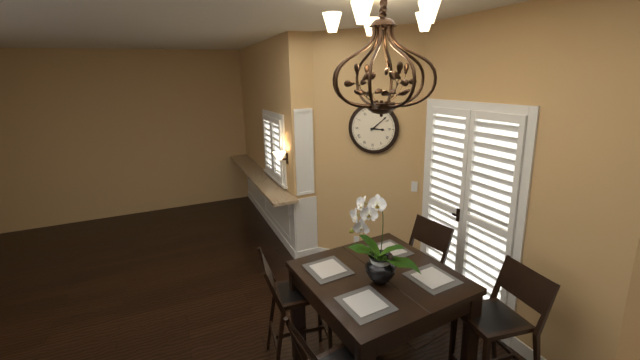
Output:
**3:08**
